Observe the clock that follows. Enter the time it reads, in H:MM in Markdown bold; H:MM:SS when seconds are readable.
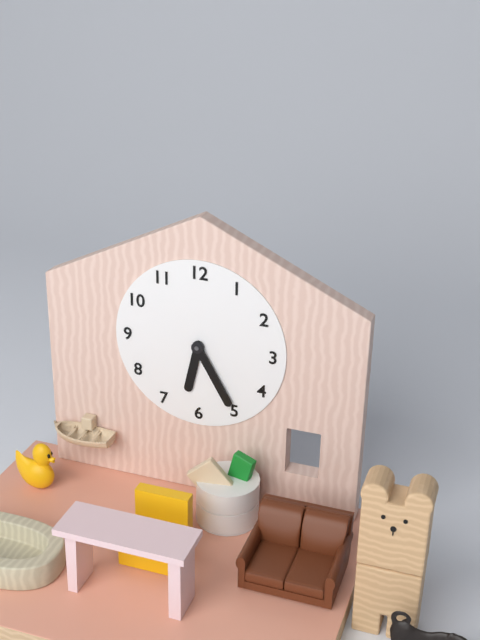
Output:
**6:25**
